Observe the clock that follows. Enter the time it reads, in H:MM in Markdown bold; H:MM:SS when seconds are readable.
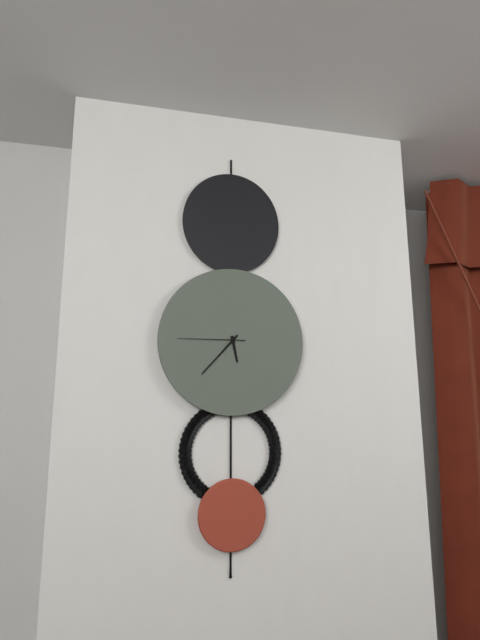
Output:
**5:37:45**
